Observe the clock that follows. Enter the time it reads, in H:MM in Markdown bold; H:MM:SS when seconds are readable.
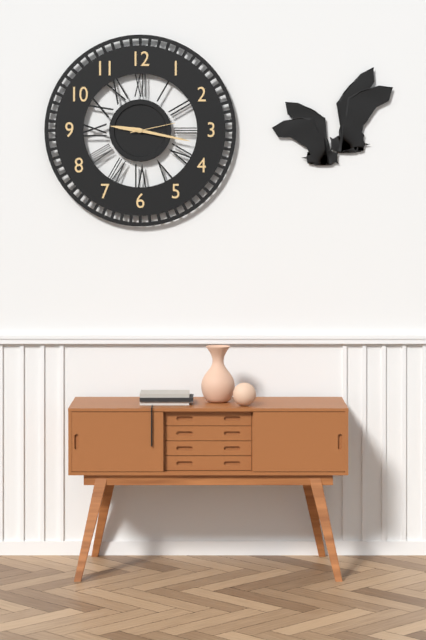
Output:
**9:17**
